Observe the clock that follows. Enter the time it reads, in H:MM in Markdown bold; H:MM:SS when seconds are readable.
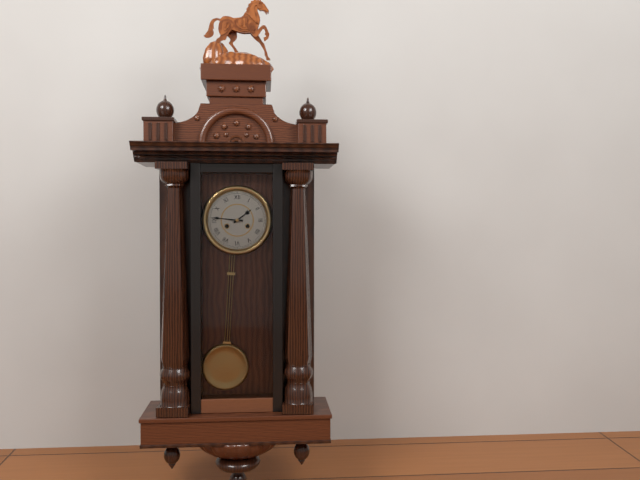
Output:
**1:46**
